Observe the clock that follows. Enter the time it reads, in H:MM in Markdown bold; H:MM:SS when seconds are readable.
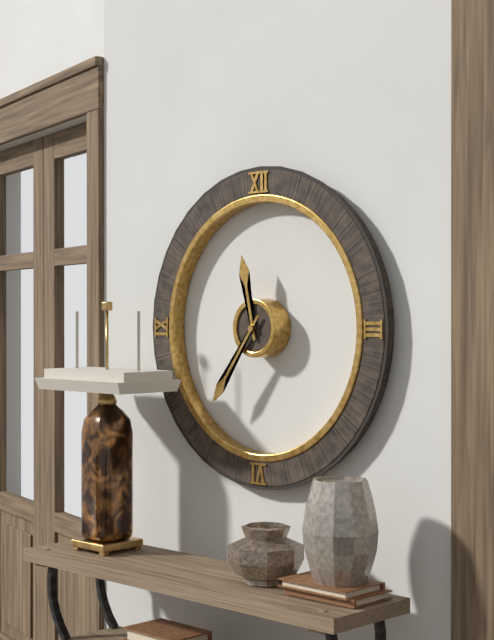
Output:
**11:36**
